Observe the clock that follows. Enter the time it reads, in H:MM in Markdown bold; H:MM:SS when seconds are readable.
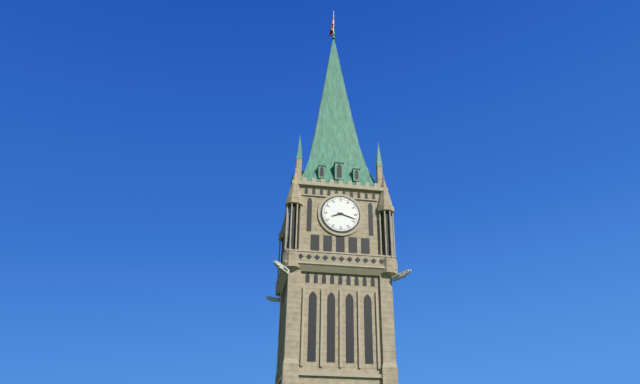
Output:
**8:18**
